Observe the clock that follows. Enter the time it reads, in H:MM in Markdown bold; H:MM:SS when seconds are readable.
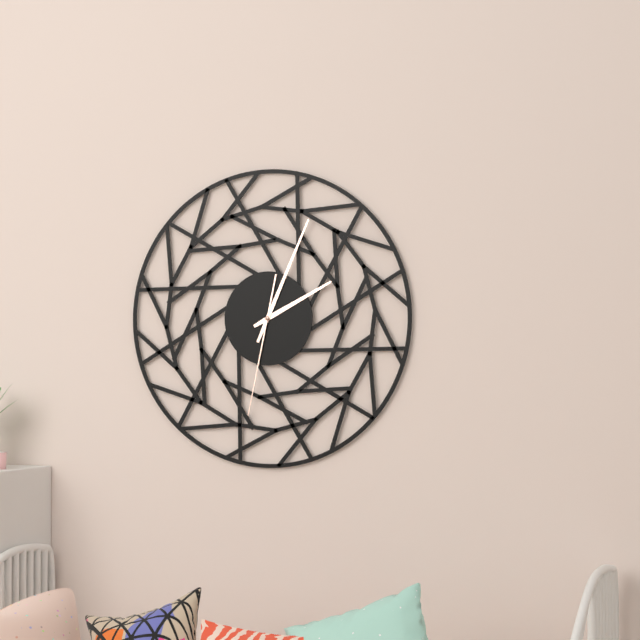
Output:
**2:04:32**
